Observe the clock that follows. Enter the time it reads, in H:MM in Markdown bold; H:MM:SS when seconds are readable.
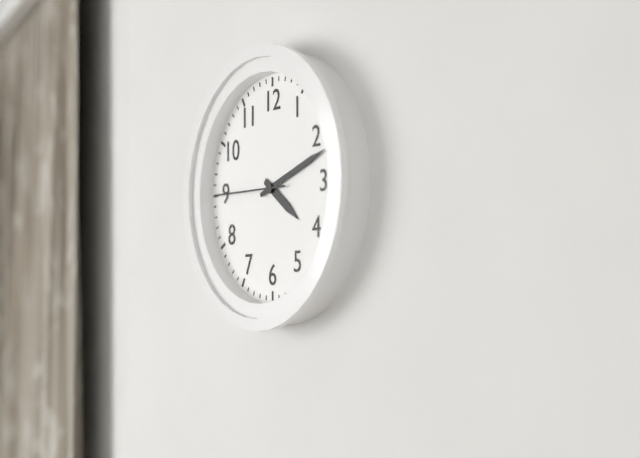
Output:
**4:12:45**
